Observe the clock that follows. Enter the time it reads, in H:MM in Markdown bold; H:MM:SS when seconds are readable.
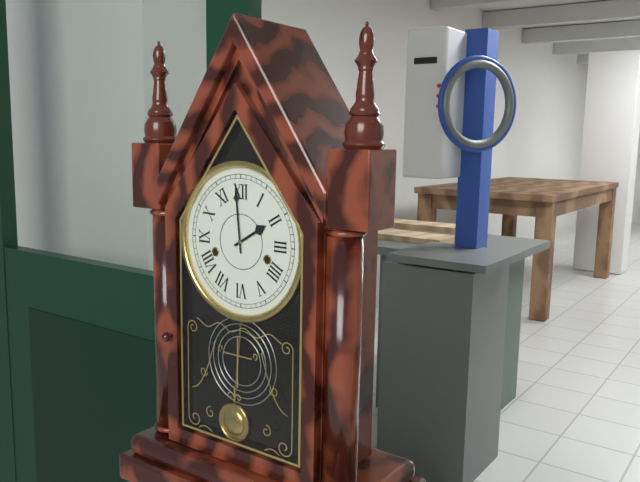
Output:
**1:59**
